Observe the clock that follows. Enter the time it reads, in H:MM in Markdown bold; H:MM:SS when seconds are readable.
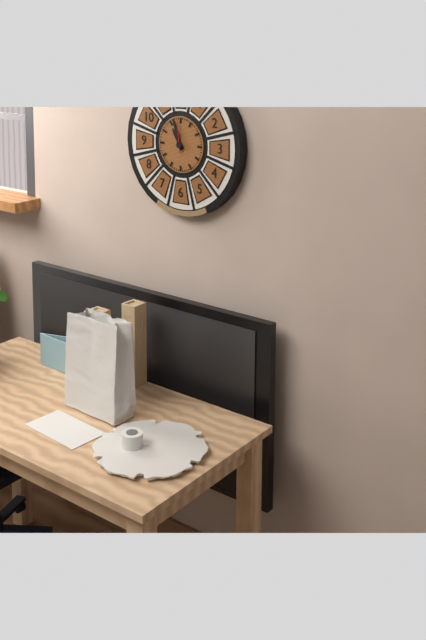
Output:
**10:57**
